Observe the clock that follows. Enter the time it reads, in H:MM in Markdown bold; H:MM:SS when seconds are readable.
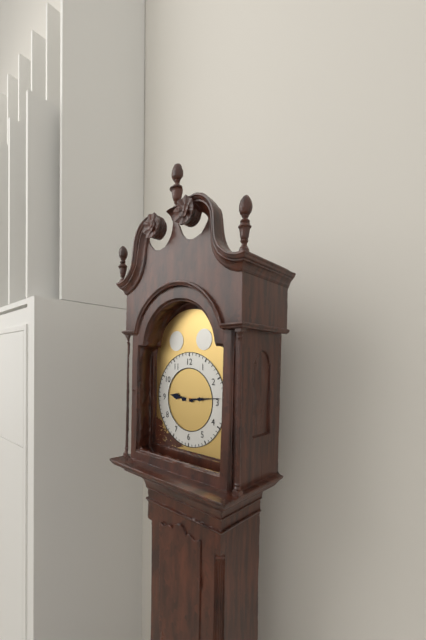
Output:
**9:14**
